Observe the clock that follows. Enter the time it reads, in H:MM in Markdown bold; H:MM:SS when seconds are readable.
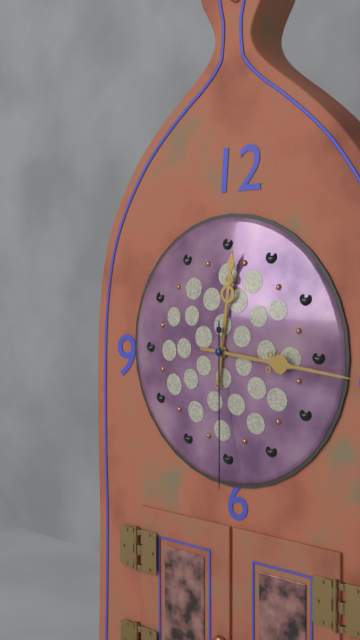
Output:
**12:16:30**
